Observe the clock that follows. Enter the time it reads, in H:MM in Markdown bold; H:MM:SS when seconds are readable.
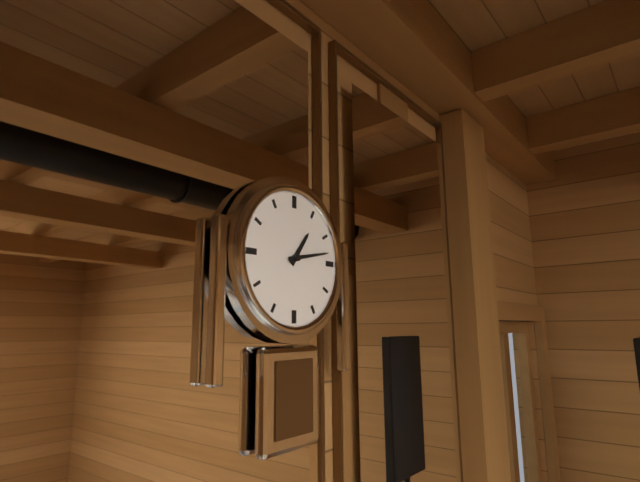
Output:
**1:13**
